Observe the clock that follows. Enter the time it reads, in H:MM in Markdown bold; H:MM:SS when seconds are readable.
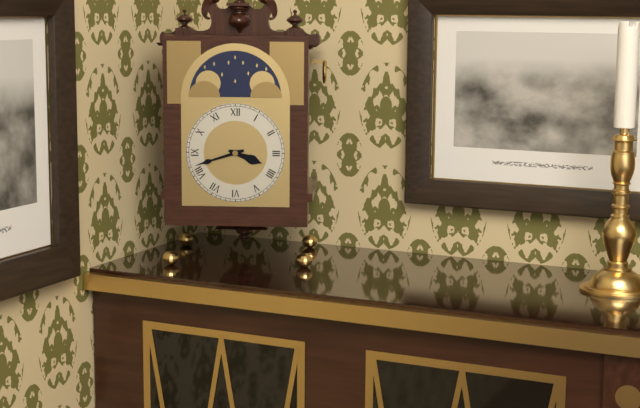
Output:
**3:42**
